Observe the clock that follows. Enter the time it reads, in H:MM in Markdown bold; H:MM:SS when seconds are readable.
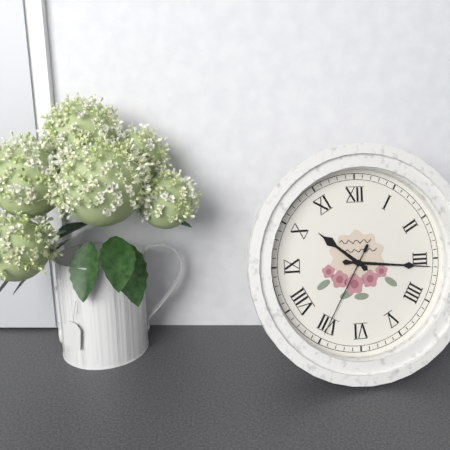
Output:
**10:16:35**
